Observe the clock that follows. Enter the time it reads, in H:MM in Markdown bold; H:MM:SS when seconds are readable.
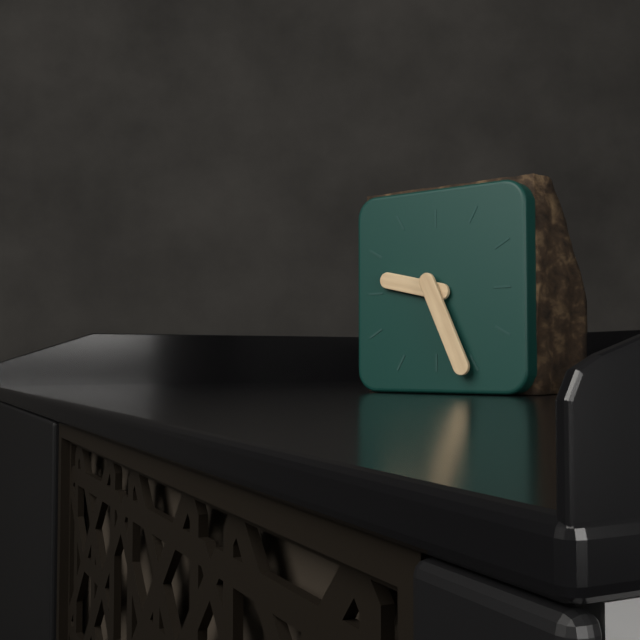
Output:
**9:26**
